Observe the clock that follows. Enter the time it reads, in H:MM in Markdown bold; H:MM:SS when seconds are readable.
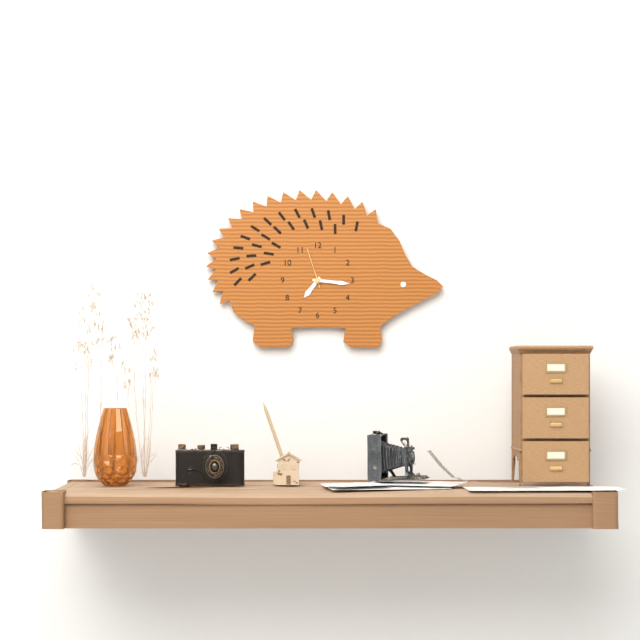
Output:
**7:16**
